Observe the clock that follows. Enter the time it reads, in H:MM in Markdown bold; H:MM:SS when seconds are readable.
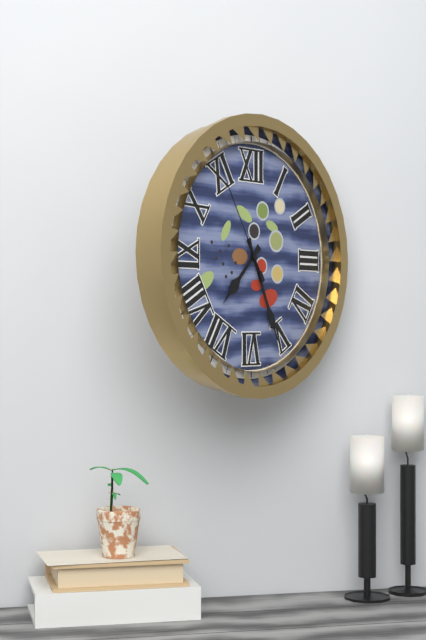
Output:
**7:26:55**
